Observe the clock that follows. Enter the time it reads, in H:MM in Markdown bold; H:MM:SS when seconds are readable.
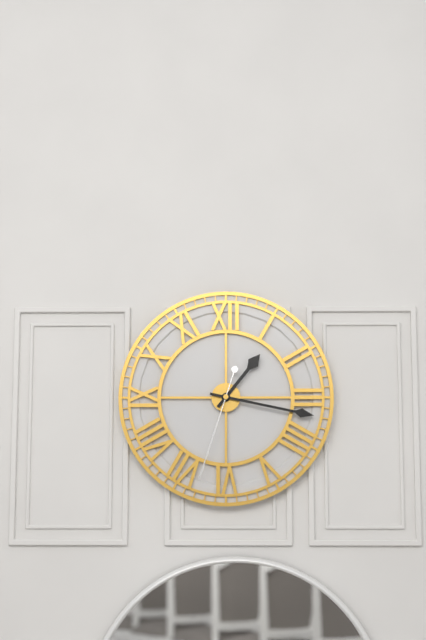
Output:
**1:17:33**
